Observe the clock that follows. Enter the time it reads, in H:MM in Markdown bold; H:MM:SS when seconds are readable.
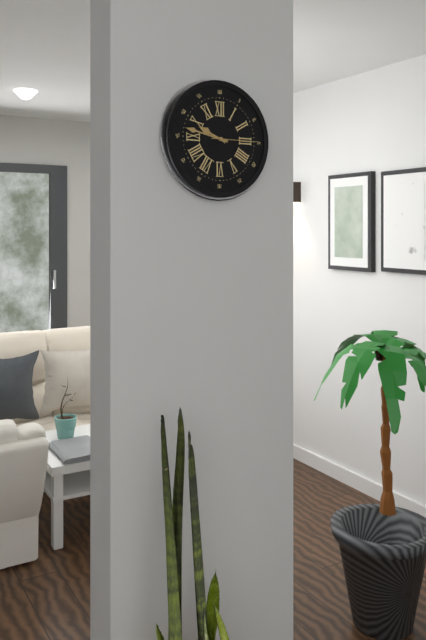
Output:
**9:47**
